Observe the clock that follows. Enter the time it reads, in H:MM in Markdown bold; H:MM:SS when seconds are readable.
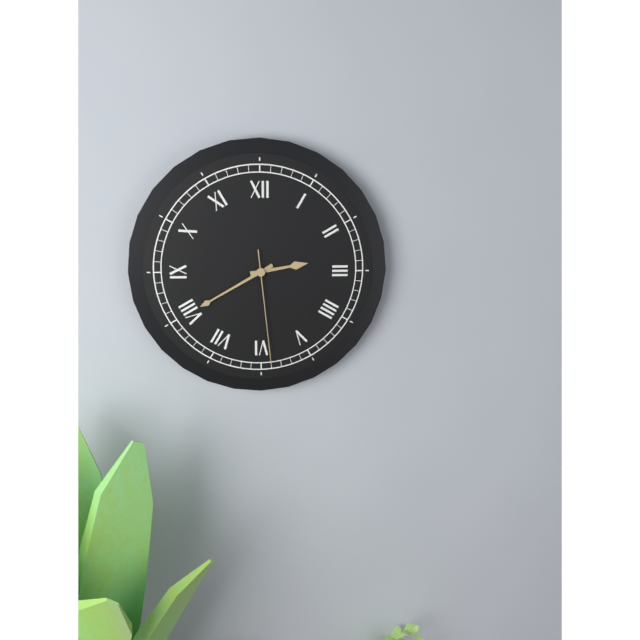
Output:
**2:40:29**
